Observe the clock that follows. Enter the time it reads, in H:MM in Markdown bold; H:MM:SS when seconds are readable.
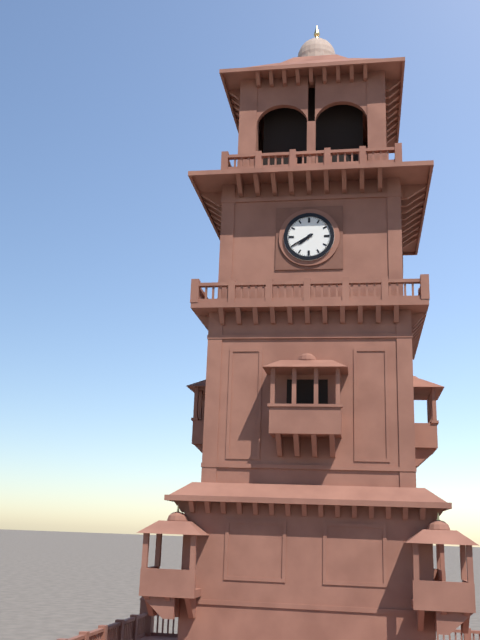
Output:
**7:40**
